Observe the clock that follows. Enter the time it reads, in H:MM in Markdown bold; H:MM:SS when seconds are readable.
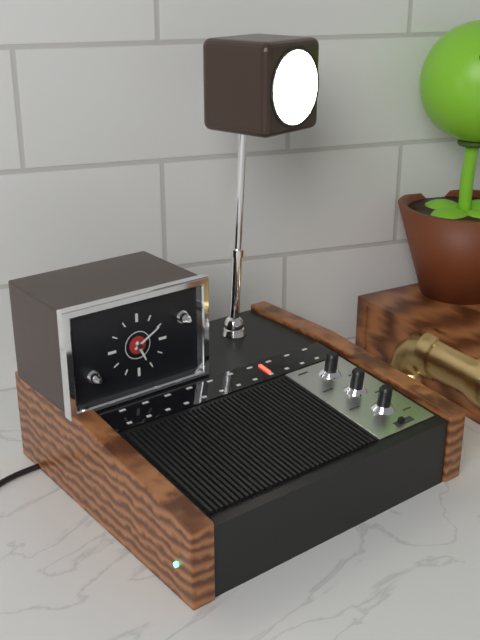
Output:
**5:10**
